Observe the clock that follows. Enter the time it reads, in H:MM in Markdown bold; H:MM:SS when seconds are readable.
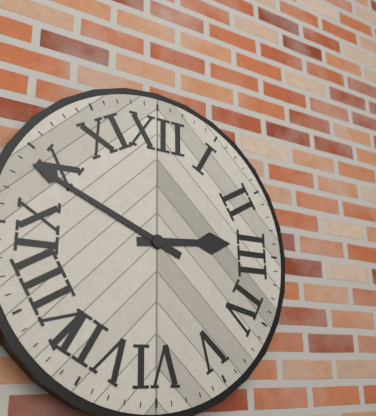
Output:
**2:49**
